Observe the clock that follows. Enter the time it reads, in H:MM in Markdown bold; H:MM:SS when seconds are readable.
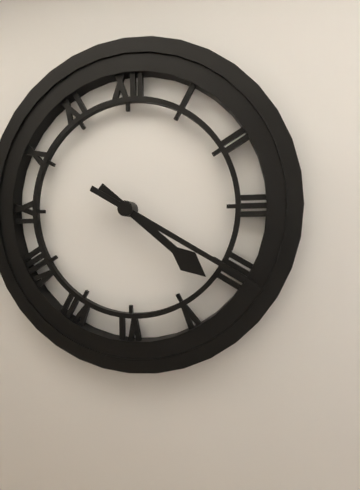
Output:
**4:20**
